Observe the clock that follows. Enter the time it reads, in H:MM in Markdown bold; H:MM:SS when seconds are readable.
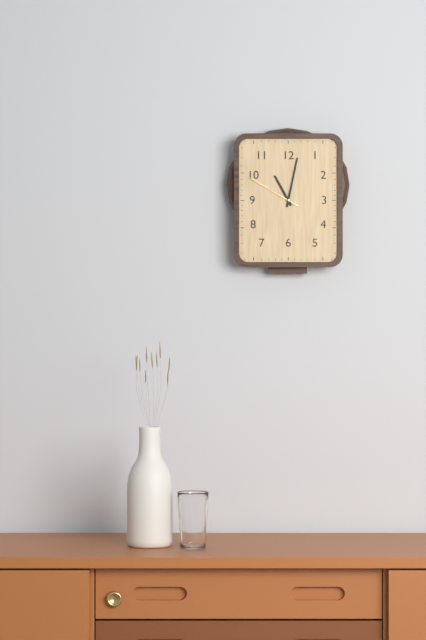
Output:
**11:02:50**
